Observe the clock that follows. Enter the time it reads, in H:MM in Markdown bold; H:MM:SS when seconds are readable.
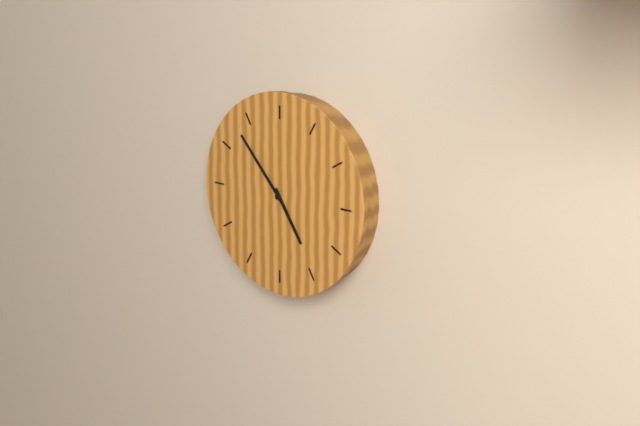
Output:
**4:53**
